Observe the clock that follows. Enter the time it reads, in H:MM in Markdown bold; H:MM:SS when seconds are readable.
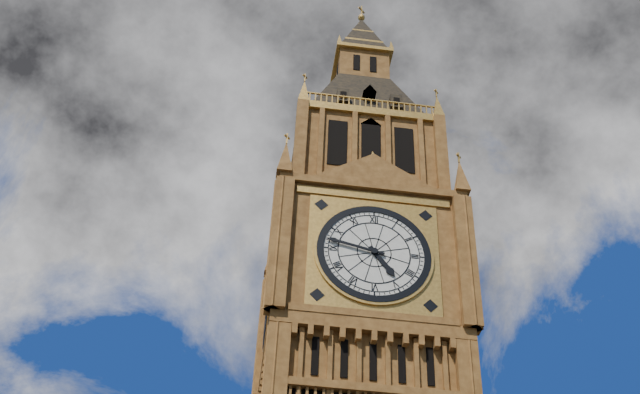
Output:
**4:47**
